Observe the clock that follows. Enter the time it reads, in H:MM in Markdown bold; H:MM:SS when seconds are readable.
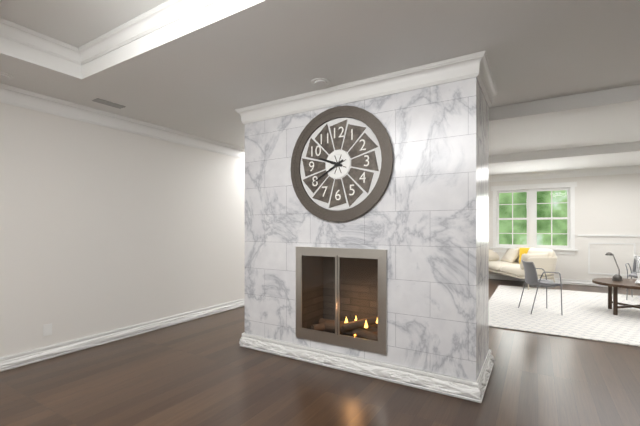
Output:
**9:40**
